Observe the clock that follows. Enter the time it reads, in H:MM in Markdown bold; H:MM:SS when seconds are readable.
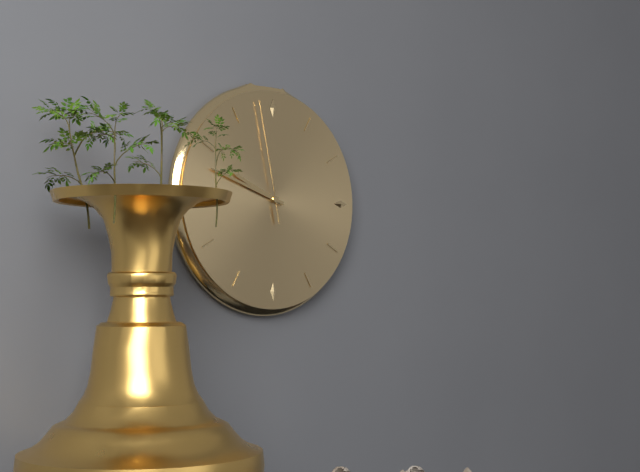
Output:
**9:48:58**
